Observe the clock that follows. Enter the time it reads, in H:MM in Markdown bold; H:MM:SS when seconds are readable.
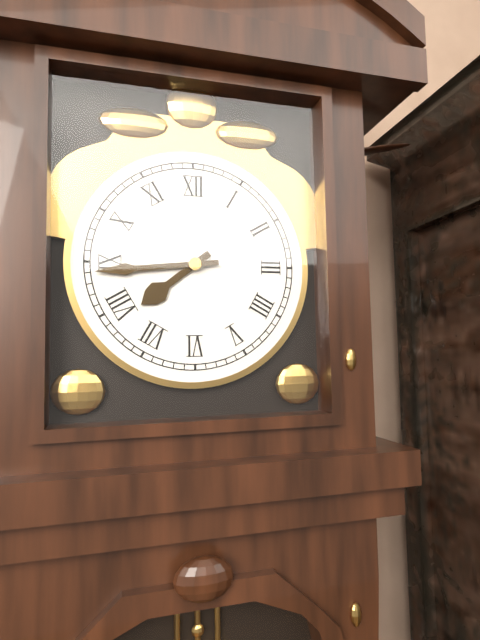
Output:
**7:44**
